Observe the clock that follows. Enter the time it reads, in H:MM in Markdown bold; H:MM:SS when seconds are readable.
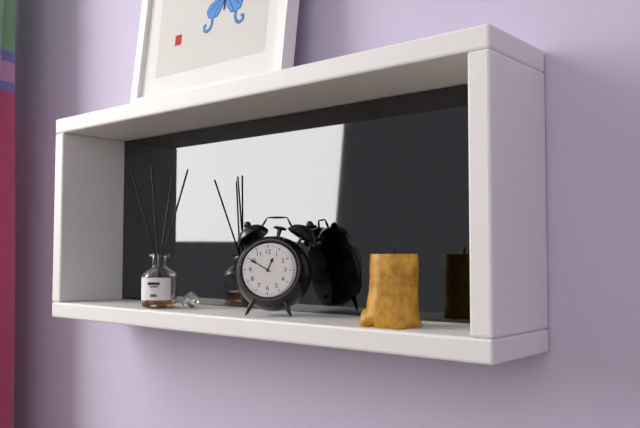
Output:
**12:50**
